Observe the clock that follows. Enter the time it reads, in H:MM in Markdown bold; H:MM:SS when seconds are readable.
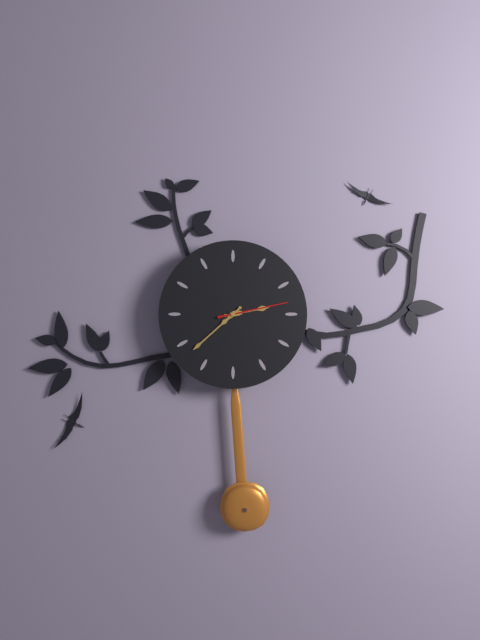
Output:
**2:38:13**
